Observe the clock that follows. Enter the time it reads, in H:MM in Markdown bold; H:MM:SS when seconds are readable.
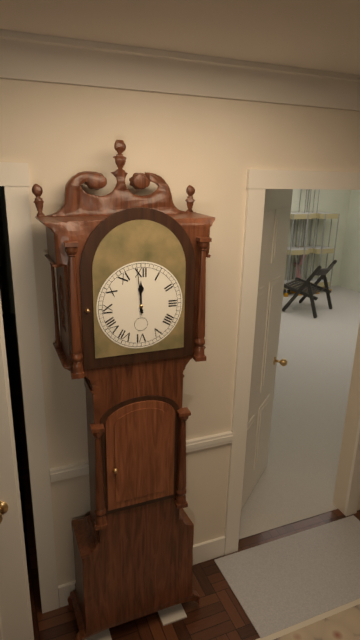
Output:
**11:59**
